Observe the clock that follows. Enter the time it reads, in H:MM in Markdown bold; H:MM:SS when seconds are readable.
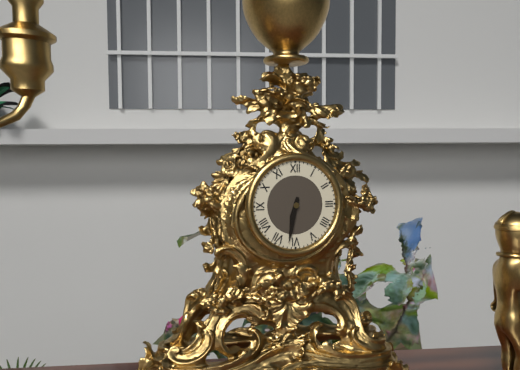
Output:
**6:32**
